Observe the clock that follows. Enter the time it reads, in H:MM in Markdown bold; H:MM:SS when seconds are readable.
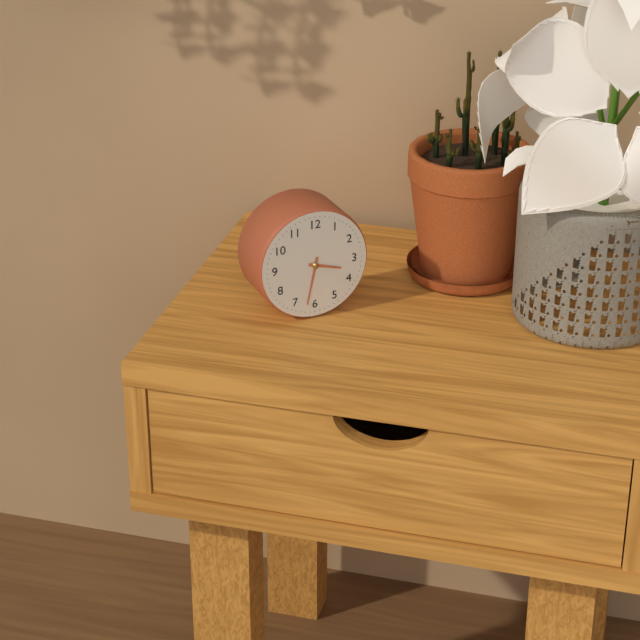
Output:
**3:32**
